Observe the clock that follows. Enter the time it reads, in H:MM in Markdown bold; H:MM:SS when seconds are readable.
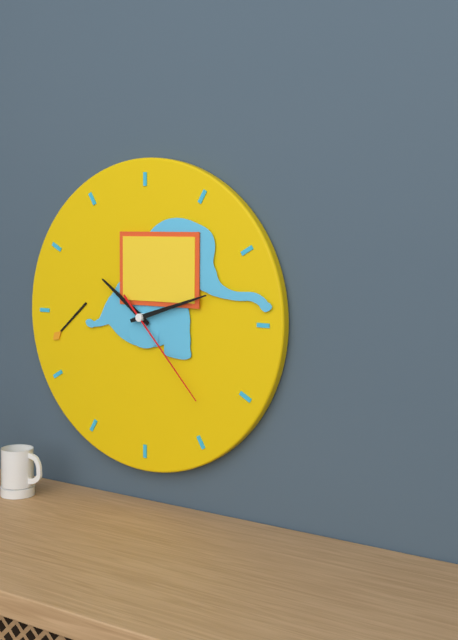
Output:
**10:12:23**
